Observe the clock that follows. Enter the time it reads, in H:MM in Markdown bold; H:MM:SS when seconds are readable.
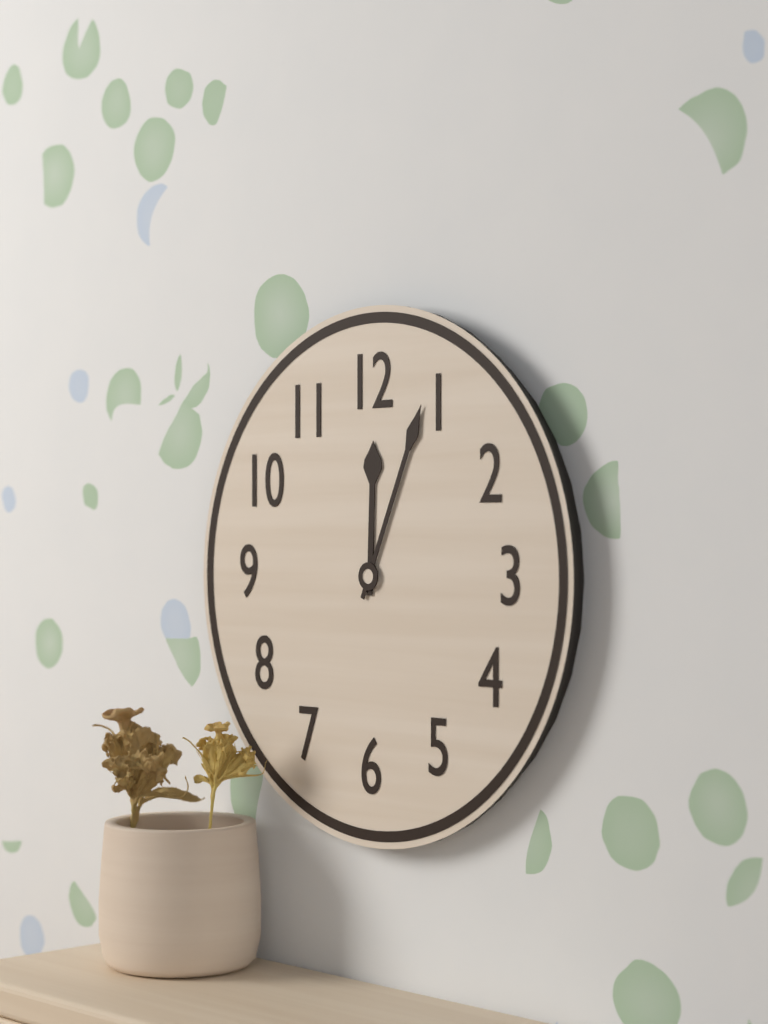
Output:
**12:04**
